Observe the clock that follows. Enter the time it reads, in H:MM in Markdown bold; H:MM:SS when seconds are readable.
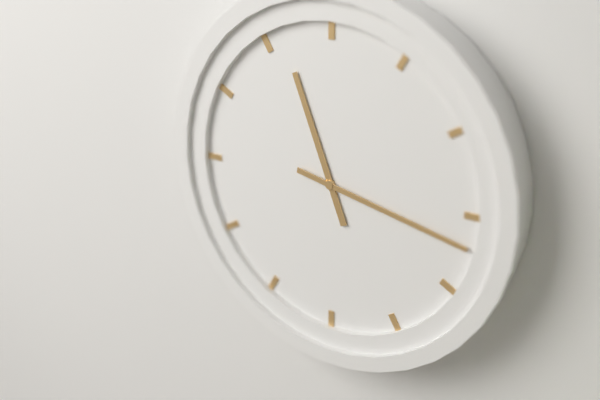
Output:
**11:17**
